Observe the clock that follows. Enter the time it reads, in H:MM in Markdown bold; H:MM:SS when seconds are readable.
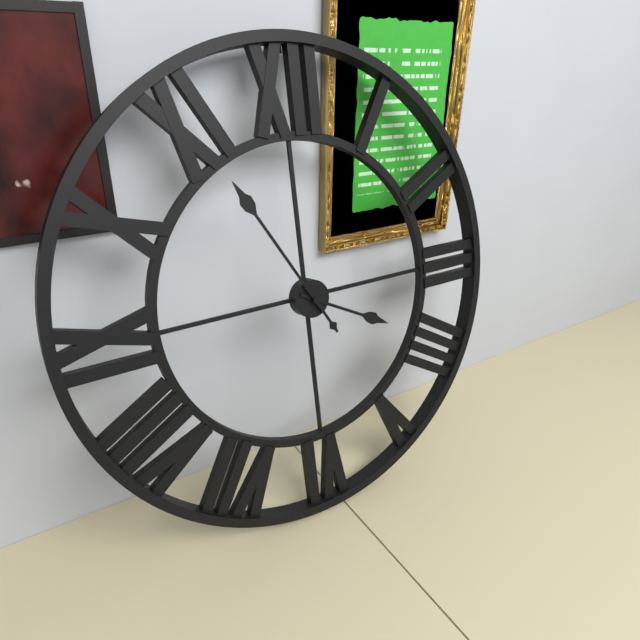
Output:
**3:55**
